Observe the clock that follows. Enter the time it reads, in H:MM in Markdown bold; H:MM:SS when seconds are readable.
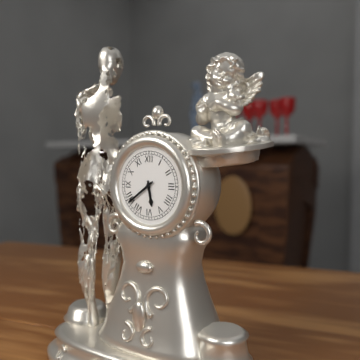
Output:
**5:39**
